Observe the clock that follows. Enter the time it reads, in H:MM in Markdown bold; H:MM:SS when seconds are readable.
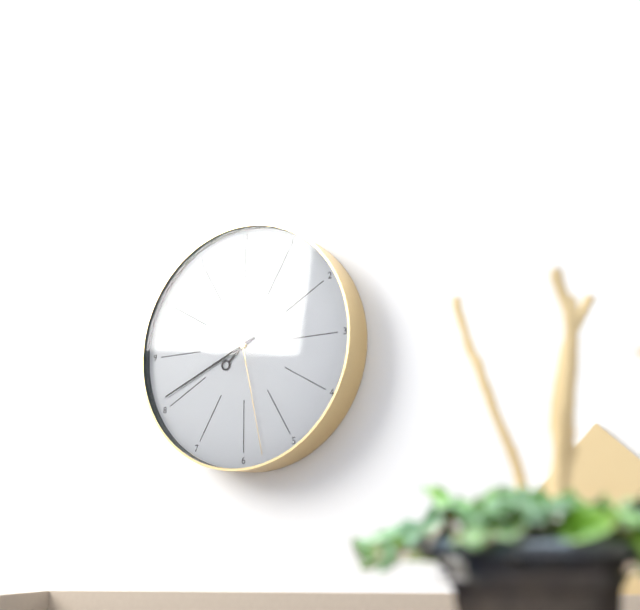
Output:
**7:41:28**
